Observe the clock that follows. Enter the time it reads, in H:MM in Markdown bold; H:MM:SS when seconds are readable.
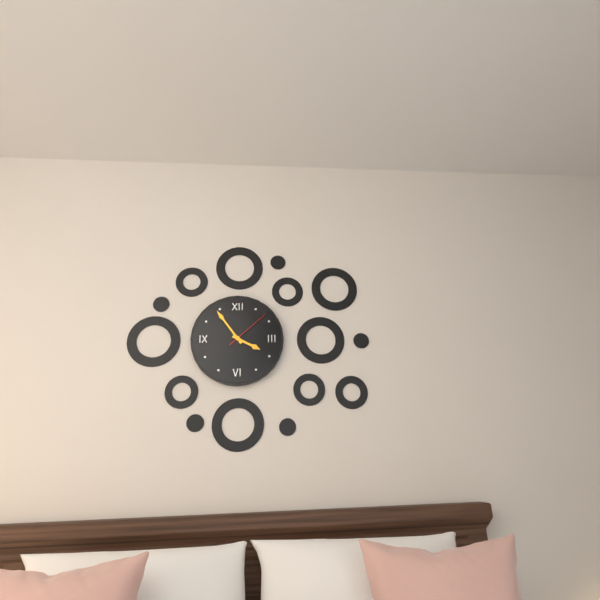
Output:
**3:54**
